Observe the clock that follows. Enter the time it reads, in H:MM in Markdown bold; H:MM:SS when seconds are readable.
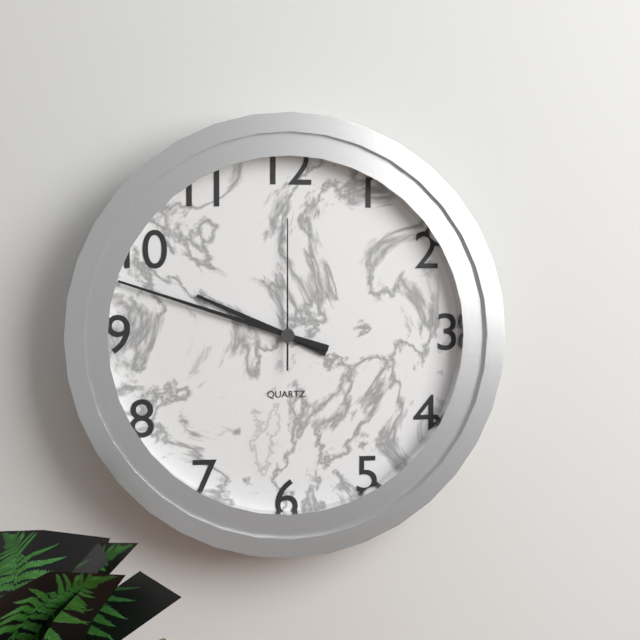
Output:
**9:48:00**
